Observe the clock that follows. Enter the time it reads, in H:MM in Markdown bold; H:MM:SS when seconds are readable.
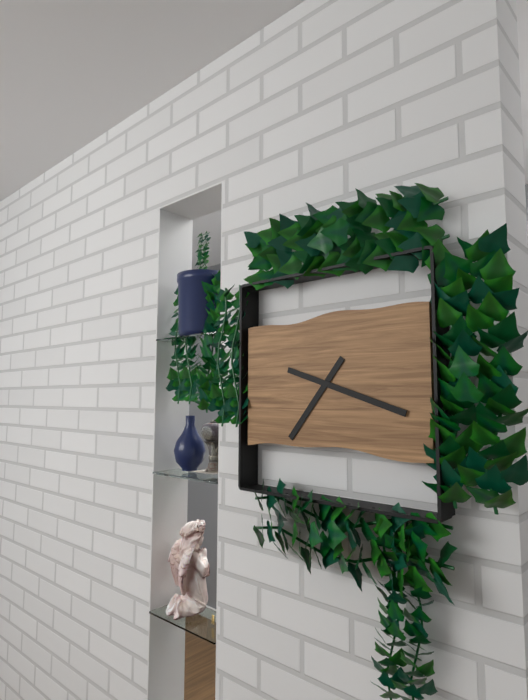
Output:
**7:18**
